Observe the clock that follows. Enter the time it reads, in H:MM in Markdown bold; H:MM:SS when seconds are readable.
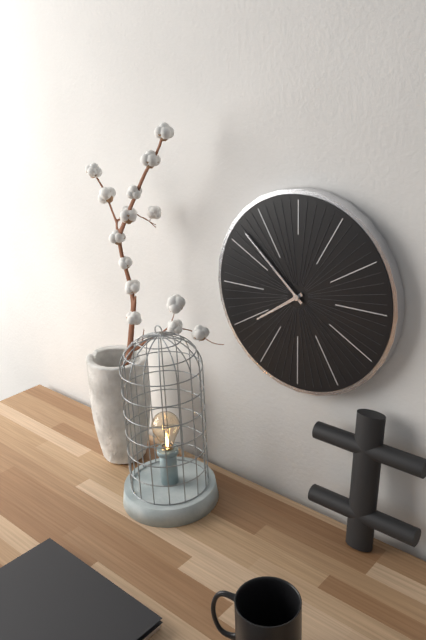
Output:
**7:52**
